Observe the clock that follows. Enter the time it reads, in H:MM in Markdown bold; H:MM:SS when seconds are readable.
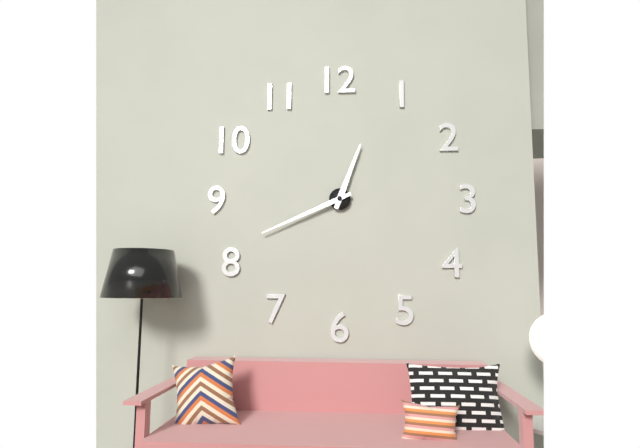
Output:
**12:41**
